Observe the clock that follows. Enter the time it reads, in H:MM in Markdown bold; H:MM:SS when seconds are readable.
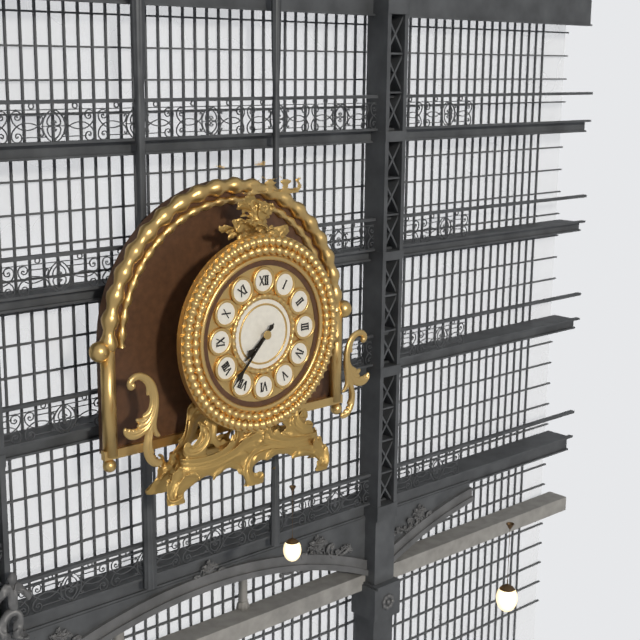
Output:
**7:37**
